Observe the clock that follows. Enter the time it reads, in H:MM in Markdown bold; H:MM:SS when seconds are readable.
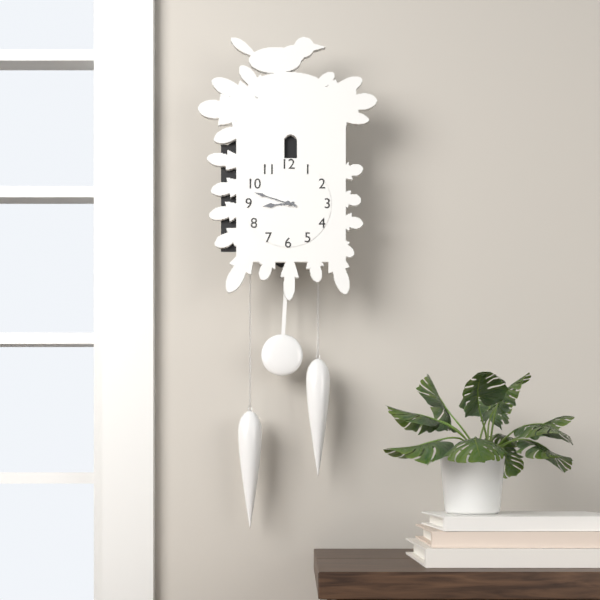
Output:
**8:48**
